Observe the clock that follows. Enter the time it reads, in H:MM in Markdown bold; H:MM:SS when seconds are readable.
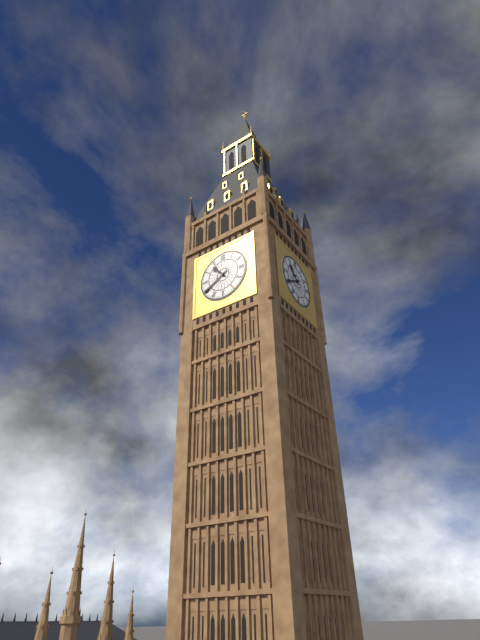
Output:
**10:40**
